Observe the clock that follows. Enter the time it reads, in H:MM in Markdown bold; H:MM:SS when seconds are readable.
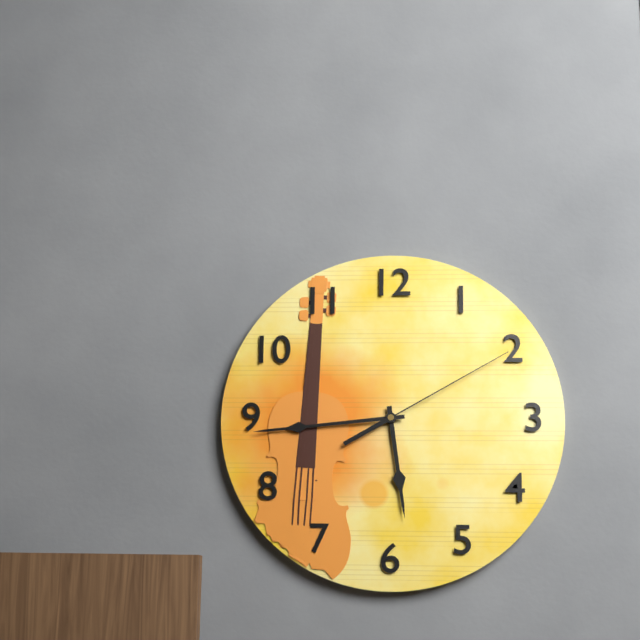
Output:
**5:44:10**
